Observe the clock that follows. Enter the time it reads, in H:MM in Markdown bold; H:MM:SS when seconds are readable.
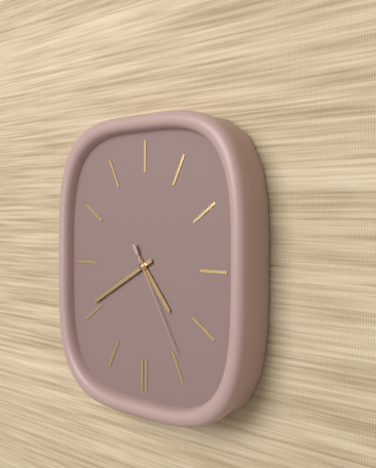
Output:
**4:40:25**
